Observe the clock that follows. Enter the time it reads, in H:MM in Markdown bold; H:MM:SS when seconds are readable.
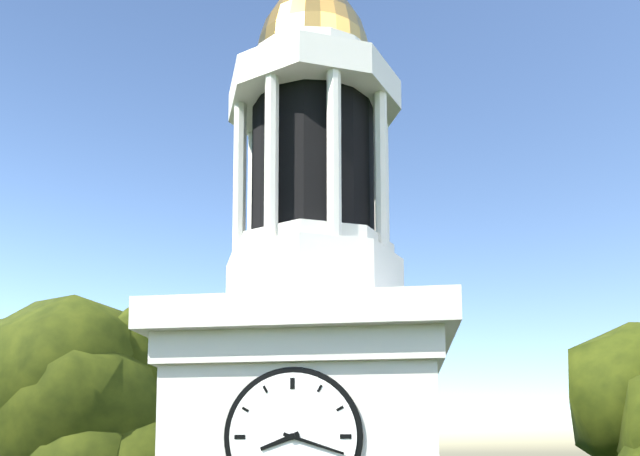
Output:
**8:18**
